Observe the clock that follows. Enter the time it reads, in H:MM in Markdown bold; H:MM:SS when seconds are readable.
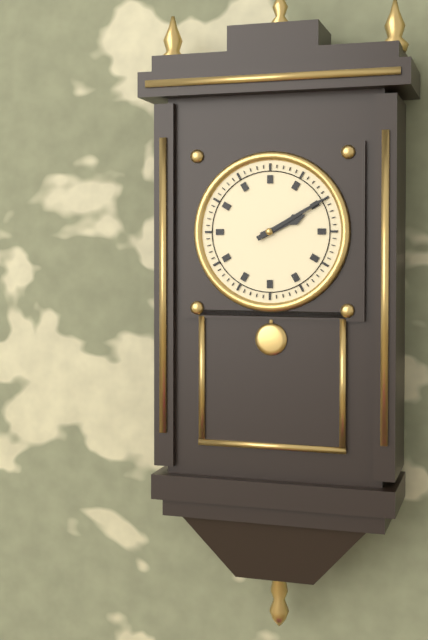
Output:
**2:10**
